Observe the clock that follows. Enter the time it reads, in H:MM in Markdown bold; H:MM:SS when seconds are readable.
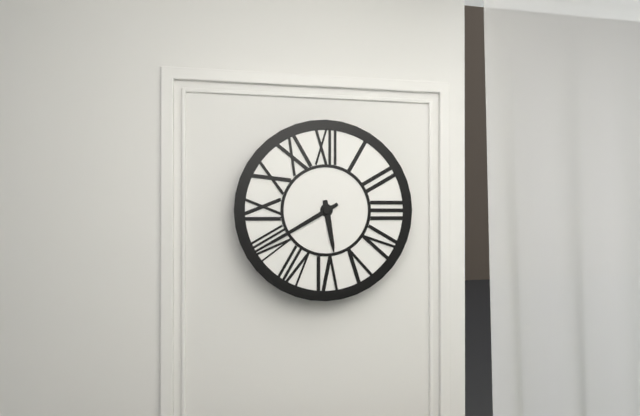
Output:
**5:40**
